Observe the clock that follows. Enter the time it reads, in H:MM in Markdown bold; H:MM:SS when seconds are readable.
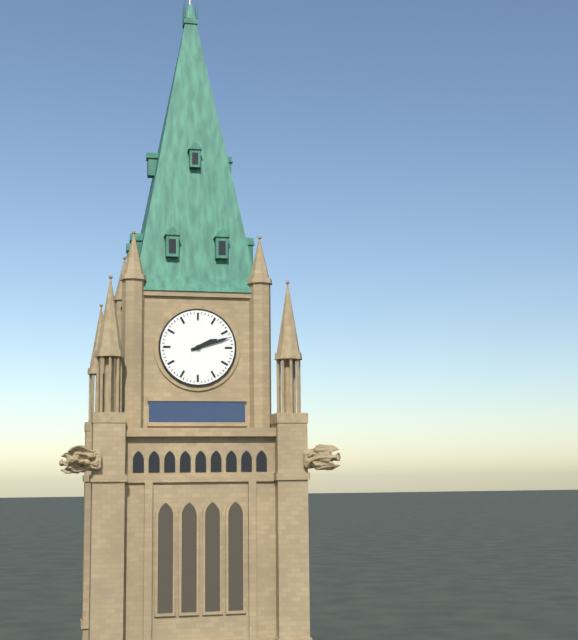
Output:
**2:12**
